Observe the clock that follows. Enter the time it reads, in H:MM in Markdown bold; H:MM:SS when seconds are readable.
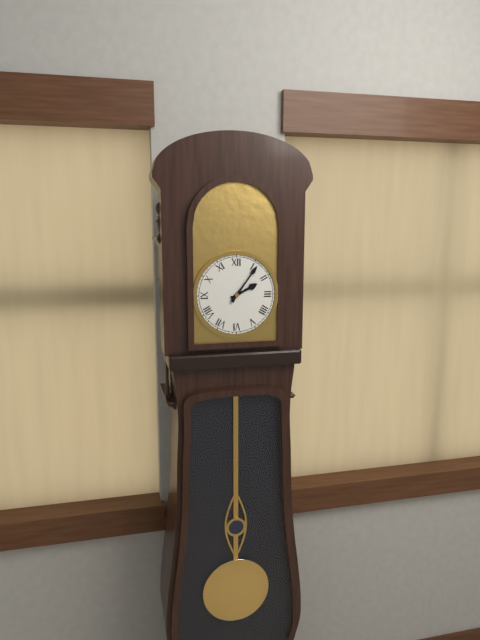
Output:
**2:06**
